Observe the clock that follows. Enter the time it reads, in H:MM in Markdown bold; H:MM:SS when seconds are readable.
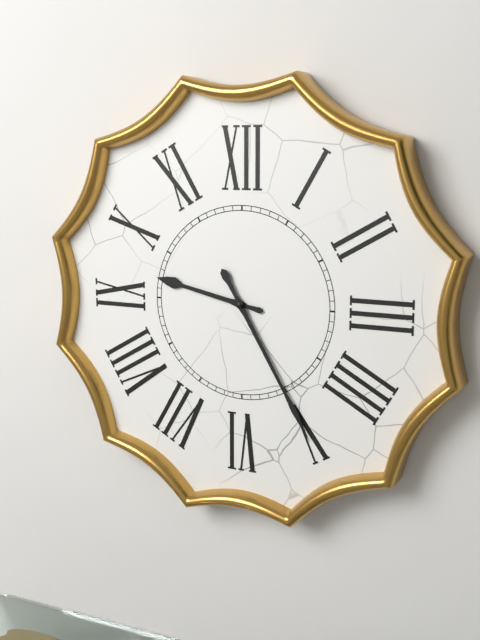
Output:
**9:25**
